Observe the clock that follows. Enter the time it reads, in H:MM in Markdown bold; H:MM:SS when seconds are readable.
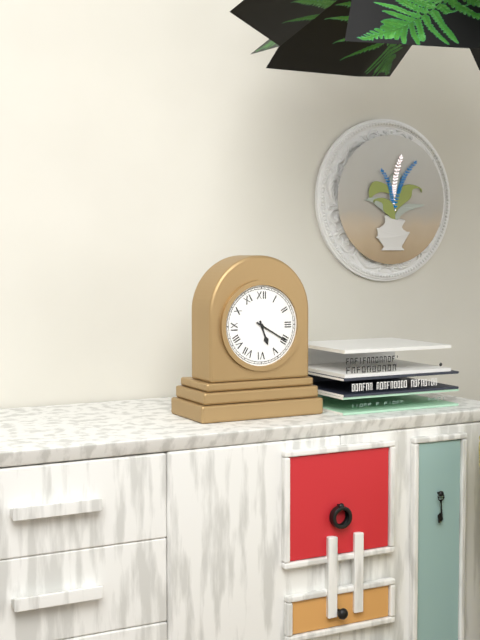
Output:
**5:20**
